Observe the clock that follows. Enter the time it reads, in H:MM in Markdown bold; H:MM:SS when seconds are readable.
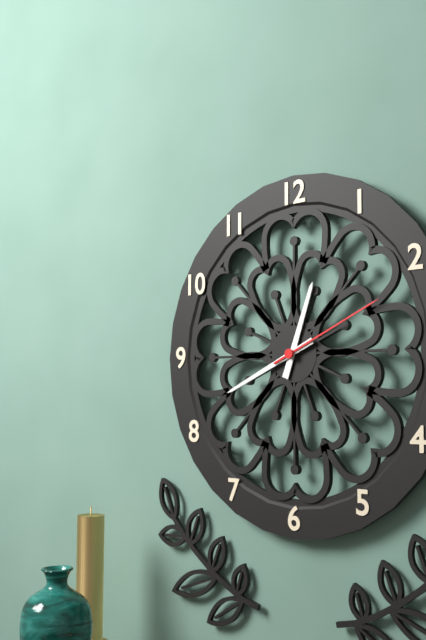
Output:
**12:41:11**
